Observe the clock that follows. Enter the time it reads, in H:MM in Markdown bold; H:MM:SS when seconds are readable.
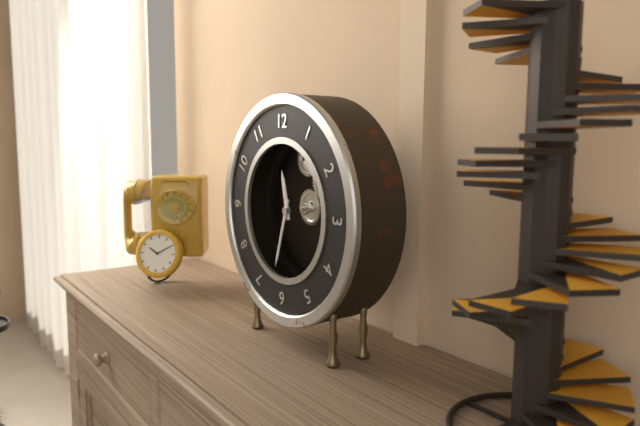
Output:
**11:33**
